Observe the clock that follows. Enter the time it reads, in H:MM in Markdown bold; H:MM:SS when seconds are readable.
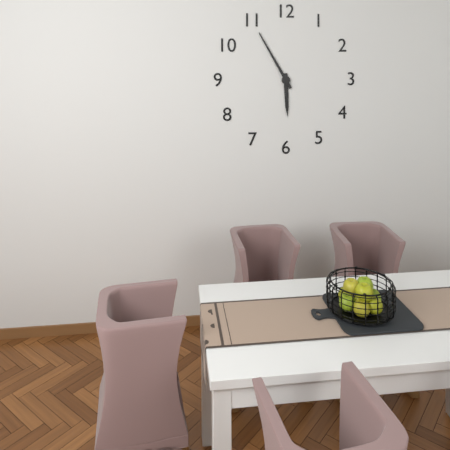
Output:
**5:55**
